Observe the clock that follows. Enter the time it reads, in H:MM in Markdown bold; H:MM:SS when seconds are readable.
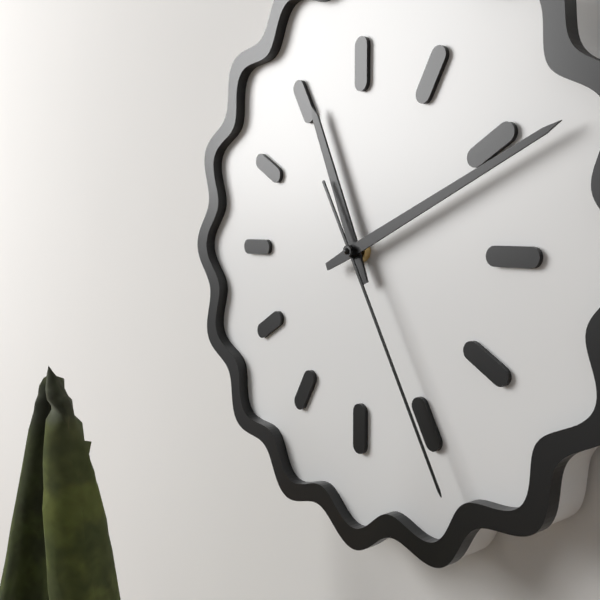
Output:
**11:11:25**
